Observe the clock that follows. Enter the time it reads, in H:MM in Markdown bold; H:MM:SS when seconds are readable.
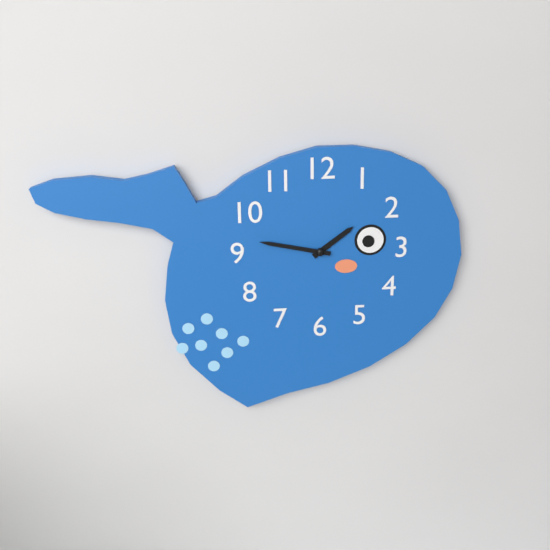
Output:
**1:47**
